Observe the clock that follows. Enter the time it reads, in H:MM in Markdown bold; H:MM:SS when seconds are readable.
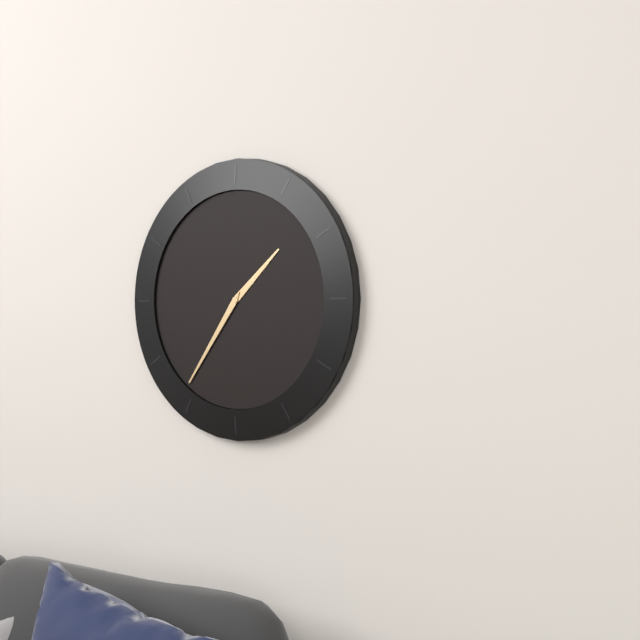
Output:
**1:36**
